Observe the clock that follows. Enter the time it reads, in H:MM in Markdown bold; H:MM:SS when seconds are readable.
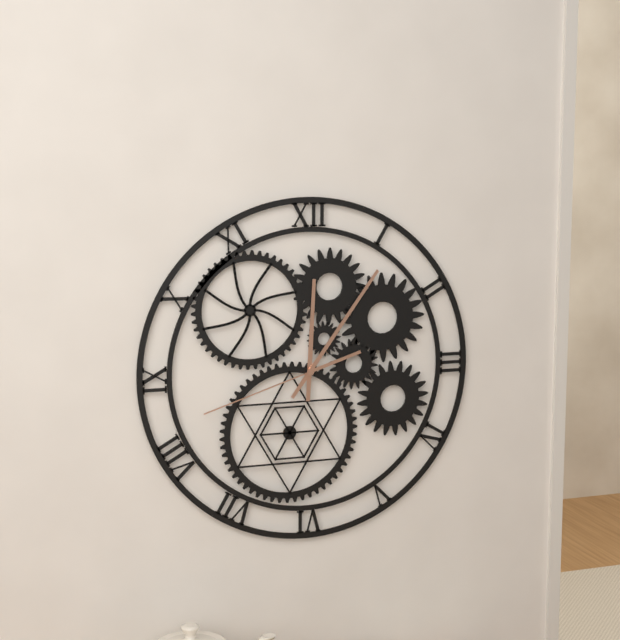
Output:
**12:06:42**
